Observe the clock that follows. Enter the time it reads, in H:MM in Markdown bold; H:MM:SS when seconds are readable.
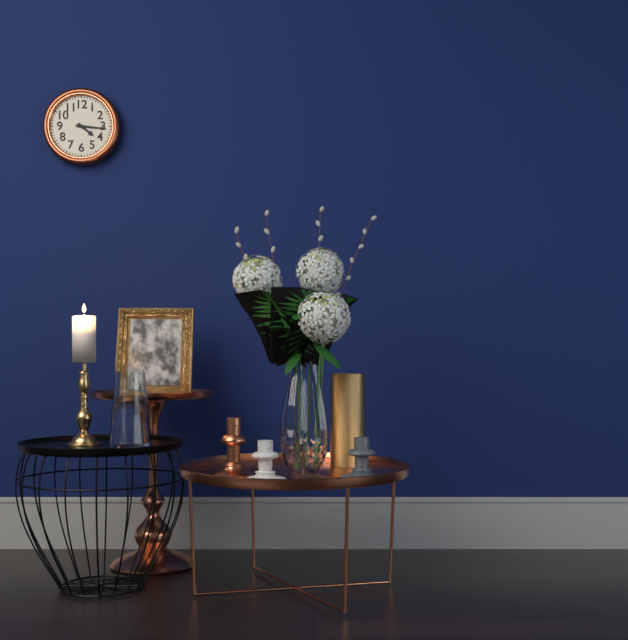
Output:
**4:16**
